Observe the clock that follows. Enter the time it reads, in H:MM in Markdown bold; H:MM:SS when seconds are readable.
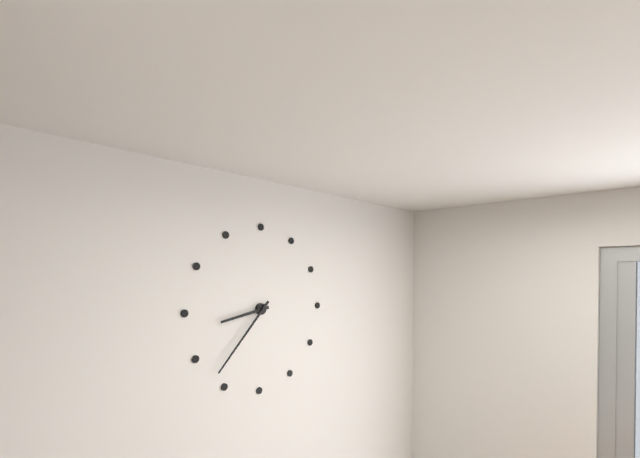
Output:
**8:37**
